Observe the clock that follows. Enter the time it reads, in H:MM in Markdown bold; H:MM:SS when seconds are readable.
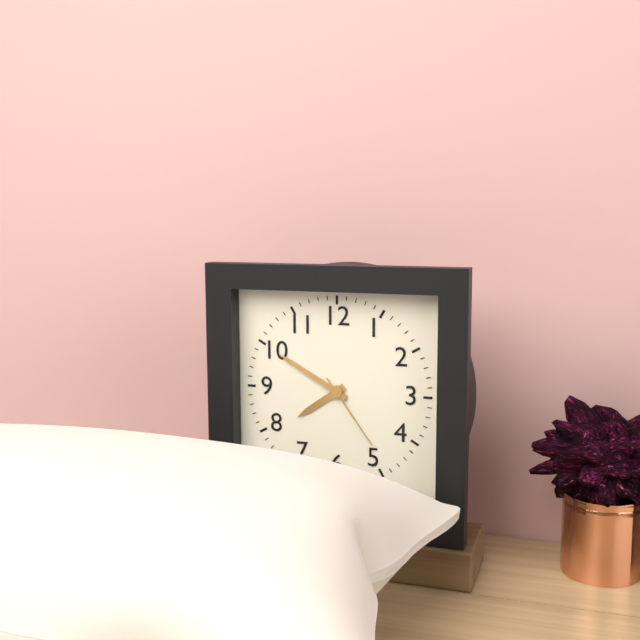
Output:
**7:50:24**
